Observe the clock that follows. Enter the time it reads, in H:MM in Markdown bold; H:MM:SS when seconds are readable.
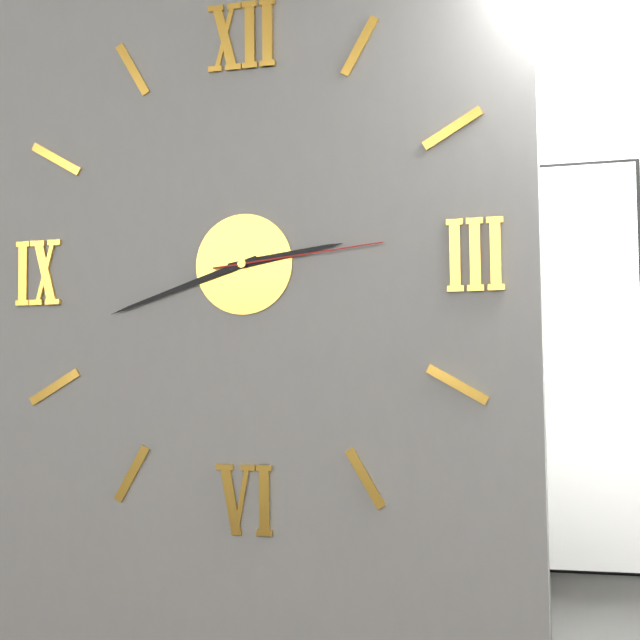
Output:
**2:42:14**
